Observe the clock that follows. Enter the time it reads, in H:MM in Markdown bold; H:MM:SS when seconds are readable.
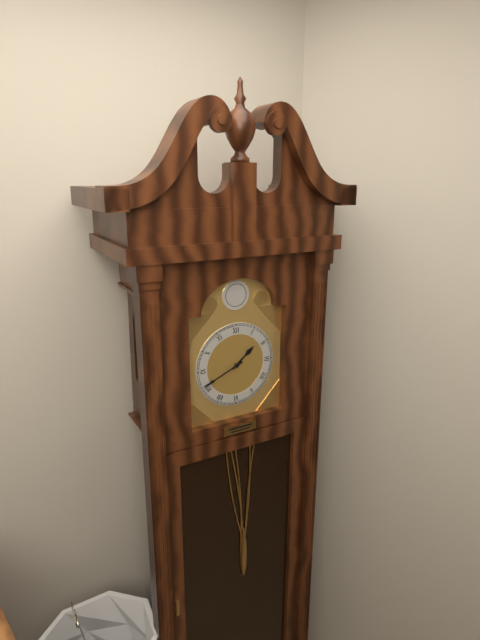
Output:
**1:41**
